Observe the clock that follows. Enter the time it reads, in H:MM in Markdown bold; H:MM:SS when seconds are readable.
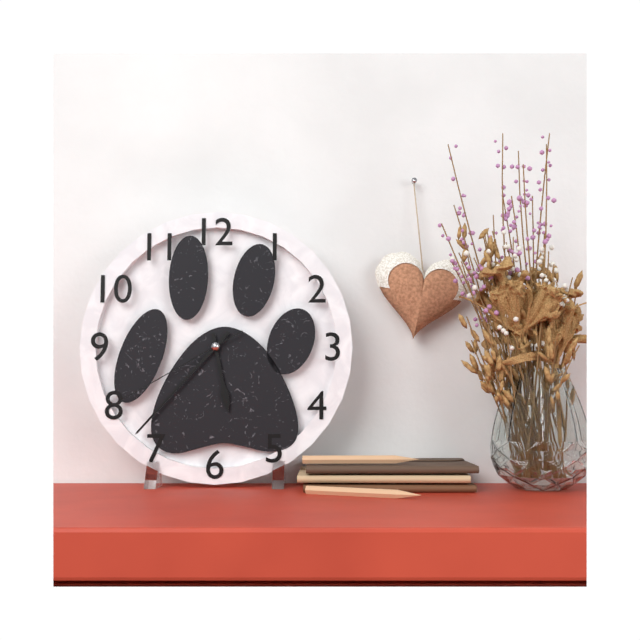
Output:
**5:37:40**
